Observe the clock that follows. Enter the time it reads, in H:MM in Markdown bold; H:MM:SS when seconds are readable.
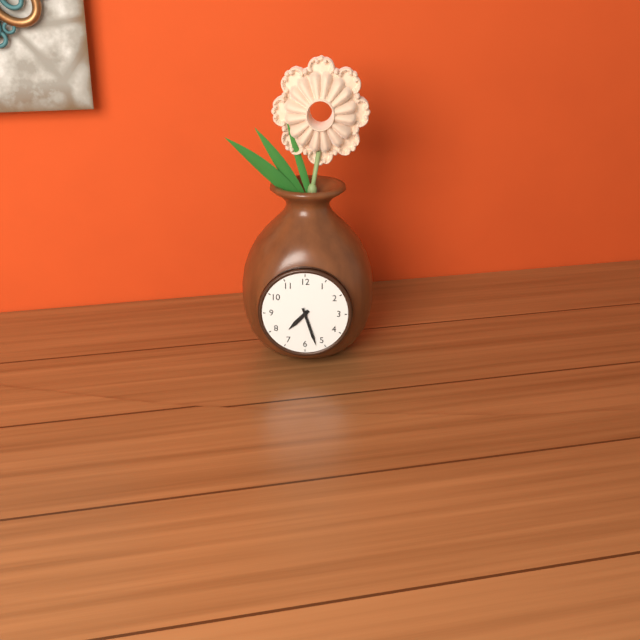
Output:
**7:27**
